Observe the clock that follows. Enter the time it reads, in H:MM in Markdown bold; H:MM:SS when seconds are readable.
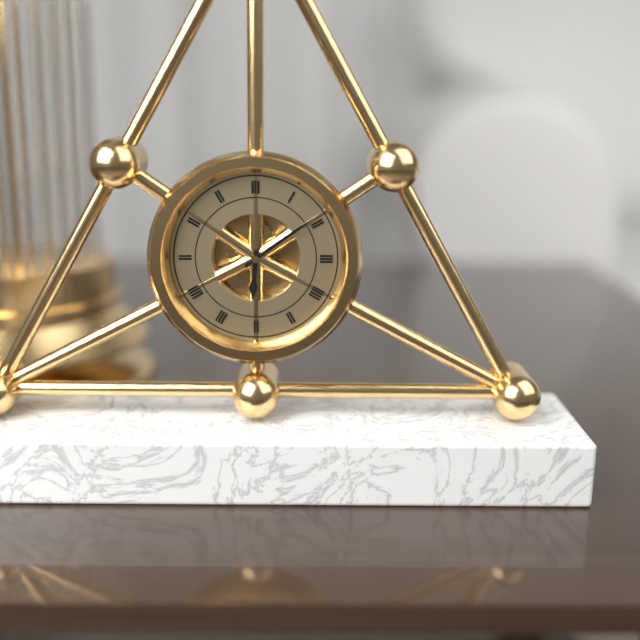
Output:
**6:09**
